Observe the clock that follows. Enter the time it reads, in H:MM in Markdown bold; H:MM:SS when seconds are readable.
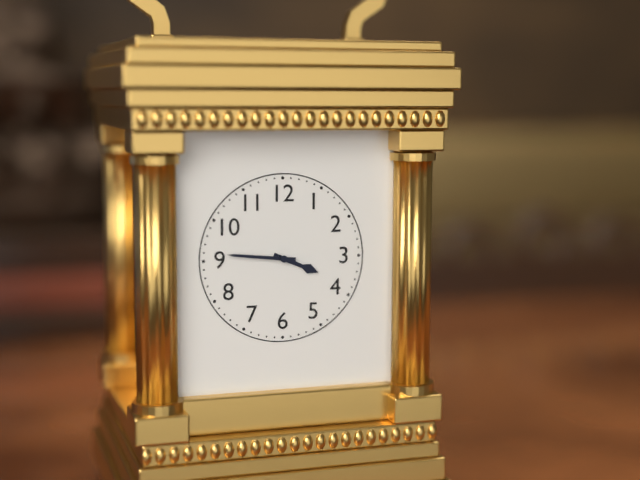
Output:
**3:46**
